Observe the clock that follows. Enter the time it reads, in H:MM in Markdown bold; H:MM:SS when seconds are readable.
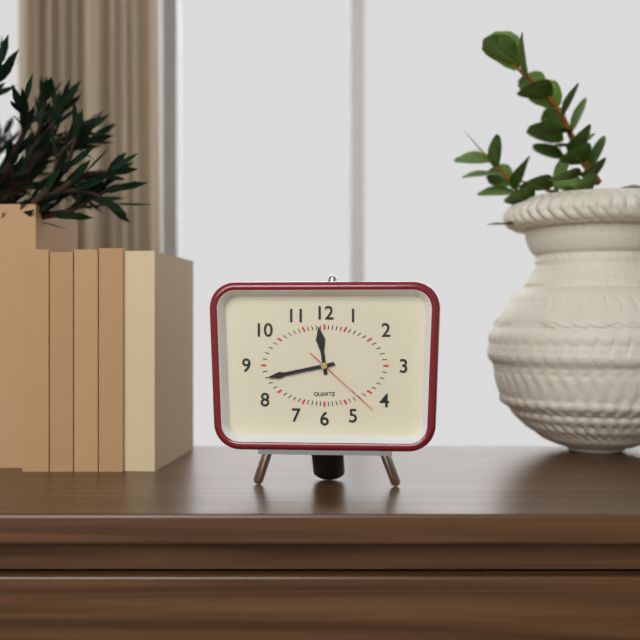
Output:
**11:43:22**
